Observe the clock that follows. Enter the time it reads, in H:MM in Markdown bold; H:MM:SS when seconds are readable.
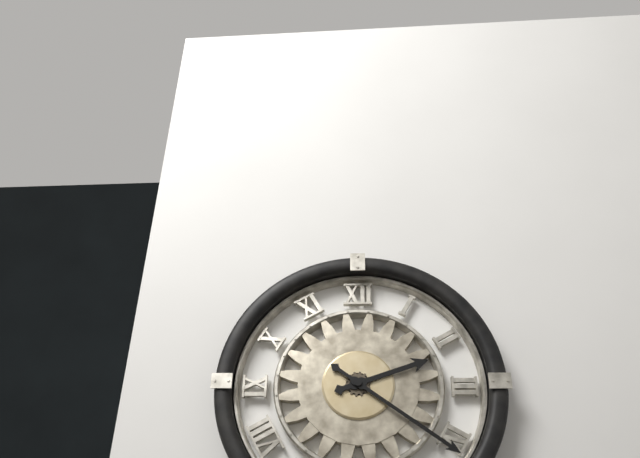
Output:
**2:21**
